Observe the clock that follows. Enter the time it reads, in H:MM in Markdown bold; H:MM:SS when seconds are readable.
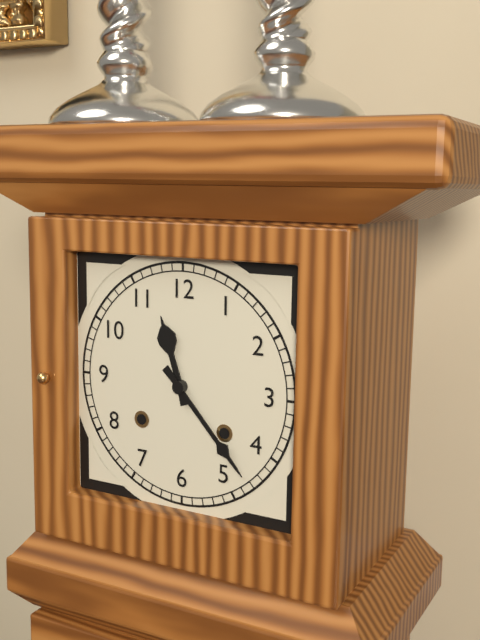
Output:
**11:23**
